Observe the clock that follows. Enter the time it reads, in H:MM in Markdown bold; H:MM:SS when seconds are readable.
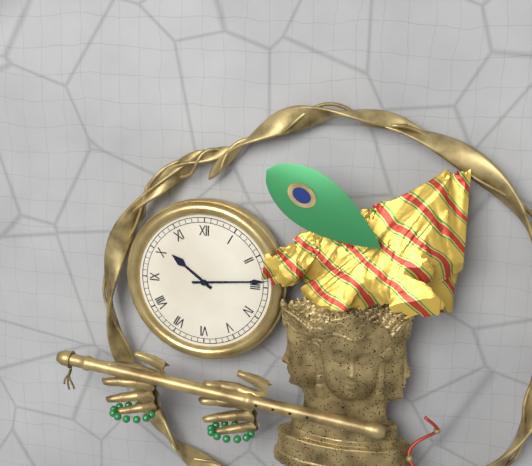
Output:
**10:14**
